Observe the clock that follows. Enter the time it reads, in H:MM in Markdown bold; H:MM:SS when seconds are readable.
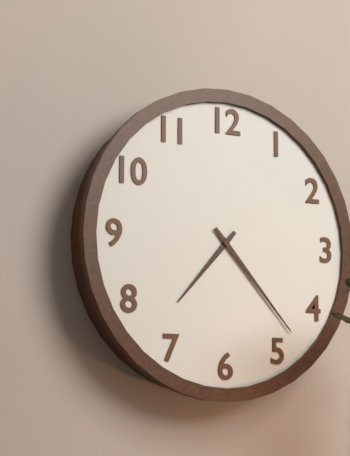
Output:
**7:23**
